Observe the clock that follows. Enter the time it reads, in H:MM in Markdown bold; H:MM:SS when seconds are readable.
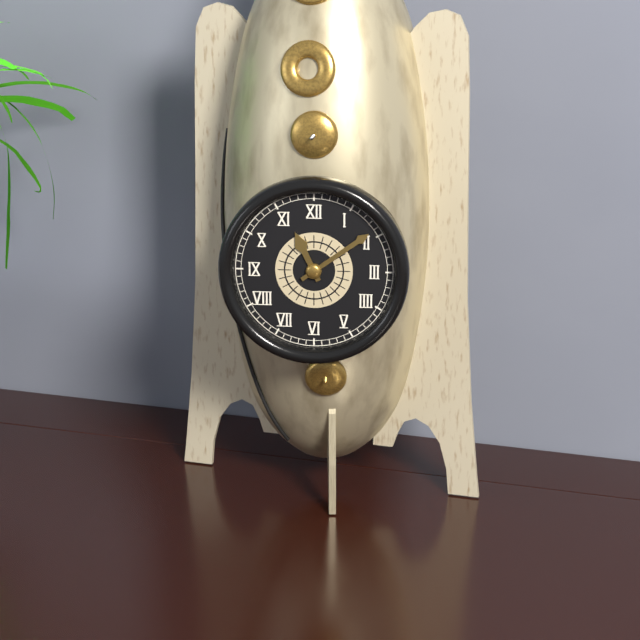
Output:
**11:09**
